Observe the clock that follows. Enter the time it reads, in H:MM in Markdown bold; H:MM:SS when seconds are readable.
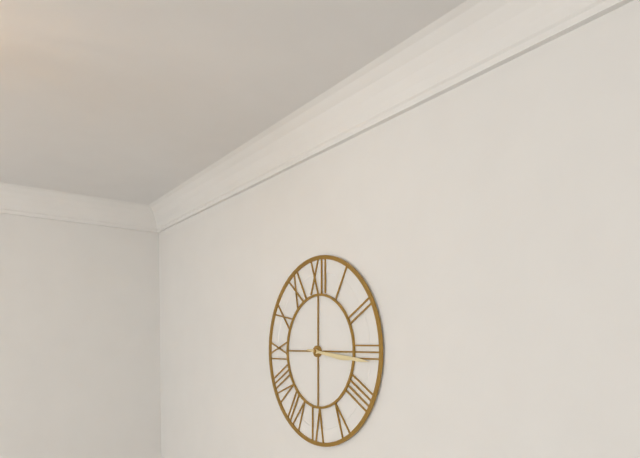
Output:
**3:16**
